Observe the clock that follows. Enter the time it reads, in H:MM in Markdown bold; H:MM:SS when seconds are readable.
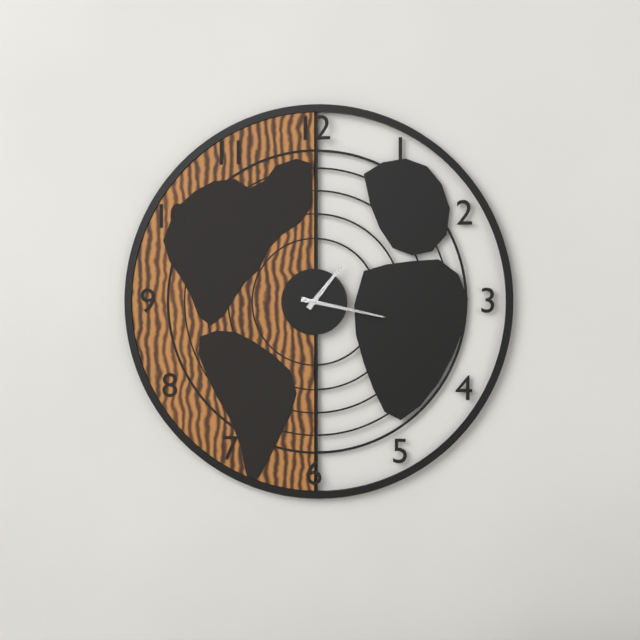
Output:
**1:17**
